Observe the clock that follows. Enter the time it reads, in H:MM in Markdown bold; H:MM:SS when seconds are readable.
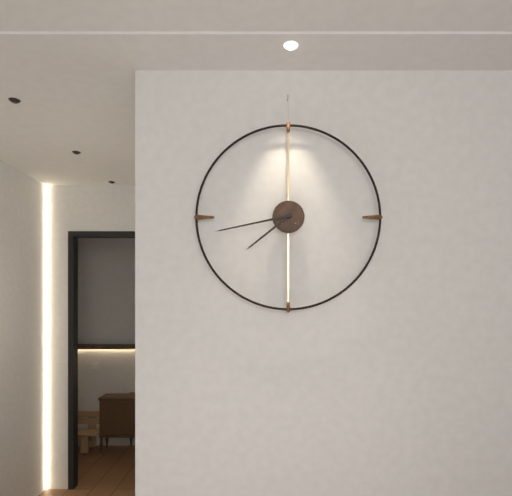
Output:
**7:43**
